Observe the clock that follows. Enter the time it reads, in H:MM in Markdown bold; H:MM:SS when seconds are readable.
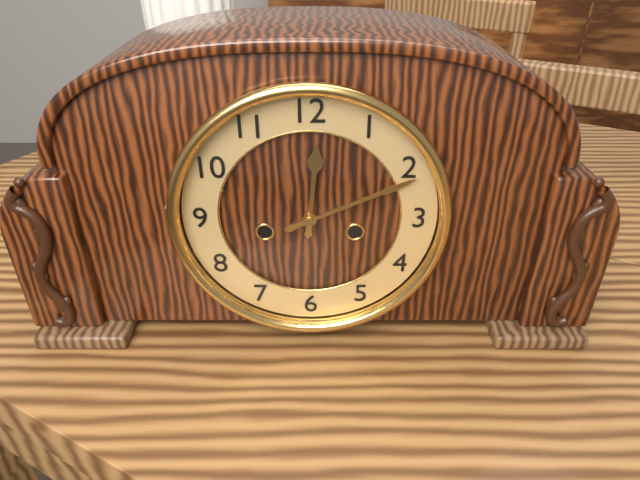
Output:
**12:11**
